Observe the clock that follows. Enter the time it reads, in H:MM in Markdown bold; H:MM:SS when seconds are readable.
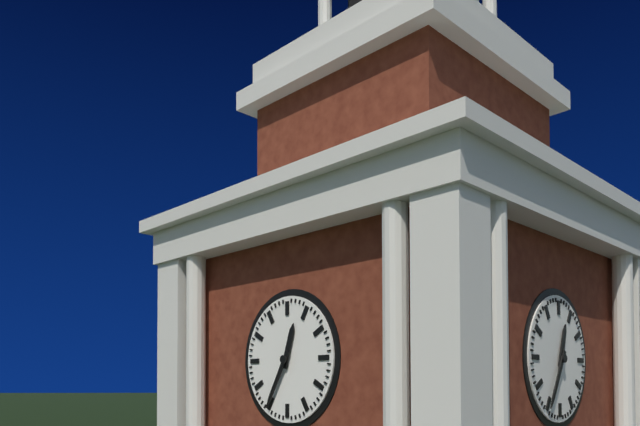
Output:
**12:35**
